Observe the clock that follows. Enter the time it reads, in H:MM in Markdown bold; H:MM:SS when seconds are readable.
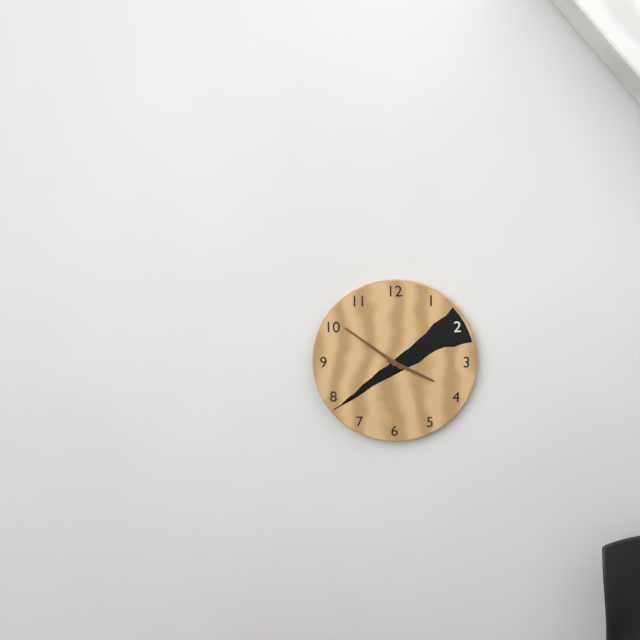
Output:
**3:51**
